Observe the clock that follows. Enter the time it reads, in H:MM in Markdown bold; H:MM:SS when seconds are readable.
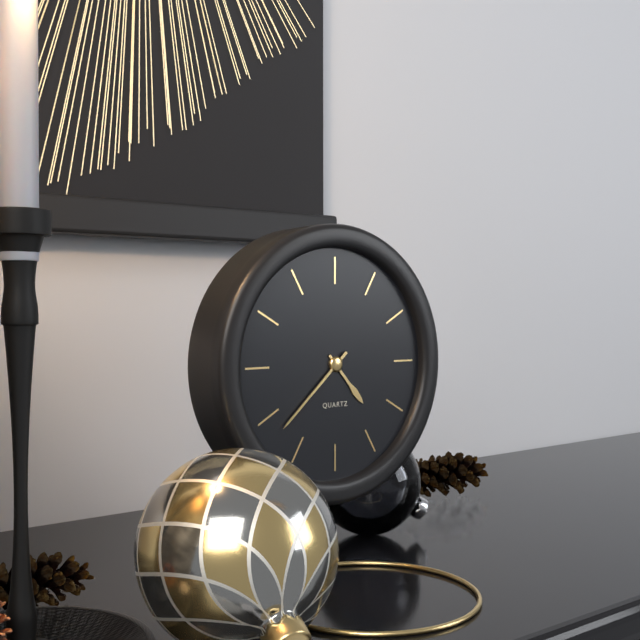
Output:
**4:38**
